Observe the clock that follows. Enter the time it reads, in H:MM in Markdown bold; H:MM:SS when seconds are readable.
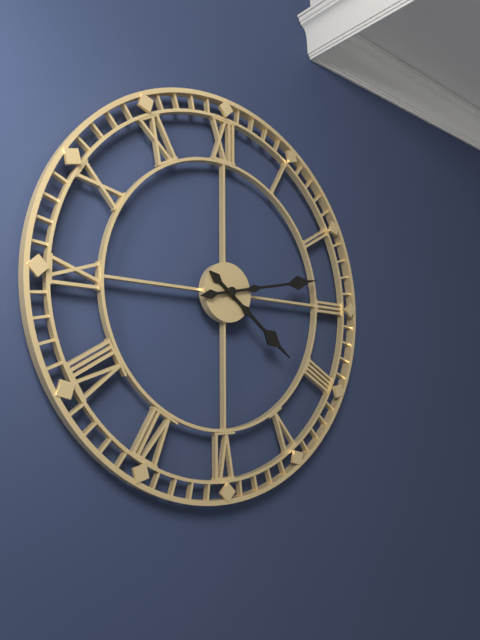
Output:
**4:13**
